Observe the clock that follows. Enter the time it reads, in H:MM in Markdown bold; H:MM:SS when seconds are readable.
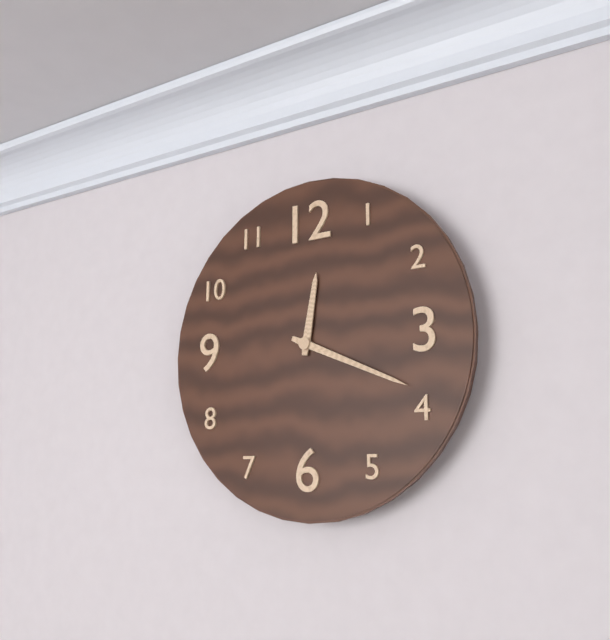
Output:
**12:19**
